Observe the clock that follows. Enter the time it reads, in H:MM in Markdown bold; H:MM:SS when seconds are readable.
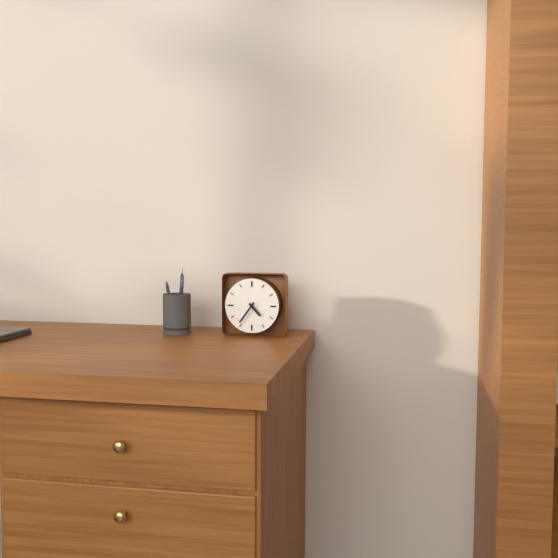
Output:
**4:36**
